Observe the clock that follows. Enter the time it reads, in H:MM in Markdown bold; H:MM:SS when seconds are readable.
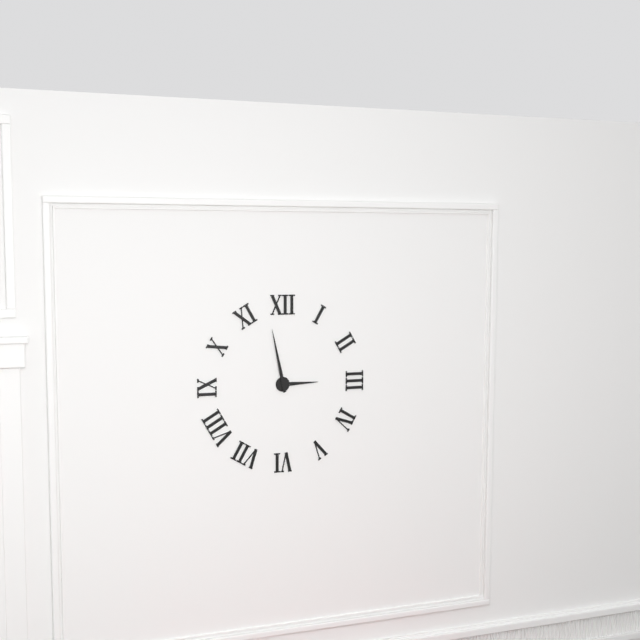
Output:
**2:58**
